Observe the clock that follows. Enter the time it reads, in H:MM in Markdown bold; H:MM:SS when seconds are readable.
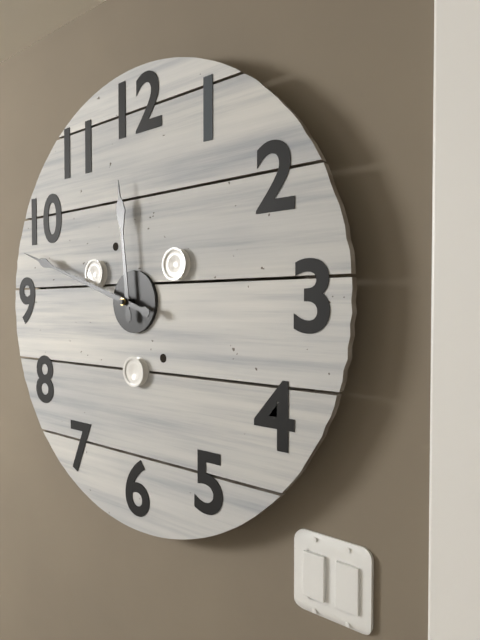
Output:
**11:48**
